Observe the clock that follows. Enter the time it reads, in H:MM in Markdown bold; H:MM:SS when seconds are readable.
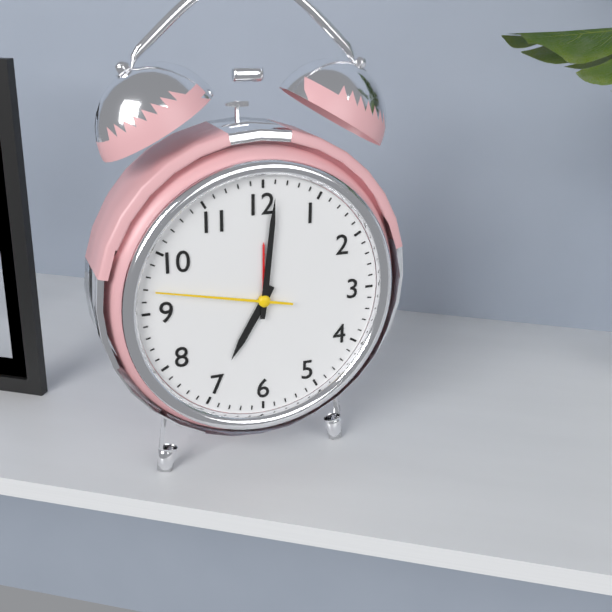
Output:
**7:01:47**
